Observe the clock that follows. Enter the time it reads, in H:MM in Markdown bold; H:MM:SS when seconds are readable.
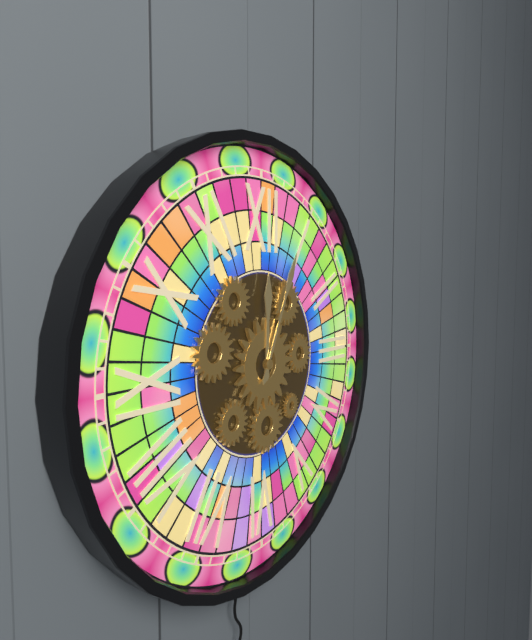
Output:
**12:04**
